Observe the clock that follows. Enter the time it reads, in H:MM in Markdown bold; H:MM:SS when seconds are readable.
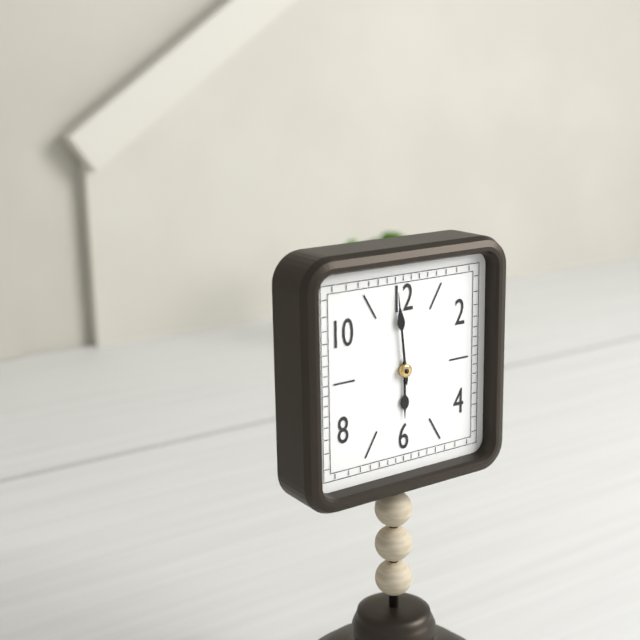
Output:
**5:59**
